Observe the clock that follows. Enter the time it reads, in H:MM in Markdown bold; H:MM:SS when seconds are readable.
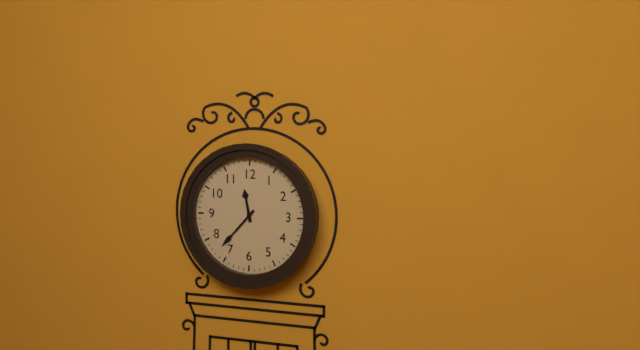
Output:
**11:37**
